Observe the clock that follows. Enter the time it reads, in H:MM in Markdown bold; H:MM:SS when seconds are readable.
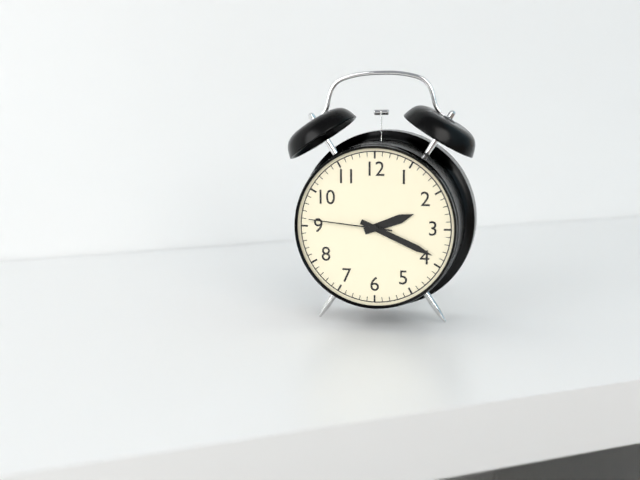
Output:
**2:19:46**
